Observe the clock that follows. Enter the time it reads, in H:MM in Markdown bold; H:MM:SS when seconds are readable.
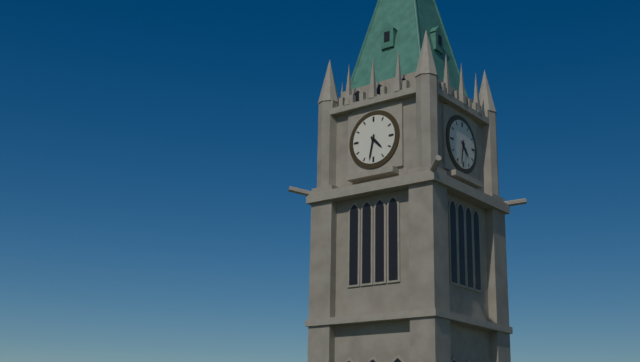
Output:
**4:32**
